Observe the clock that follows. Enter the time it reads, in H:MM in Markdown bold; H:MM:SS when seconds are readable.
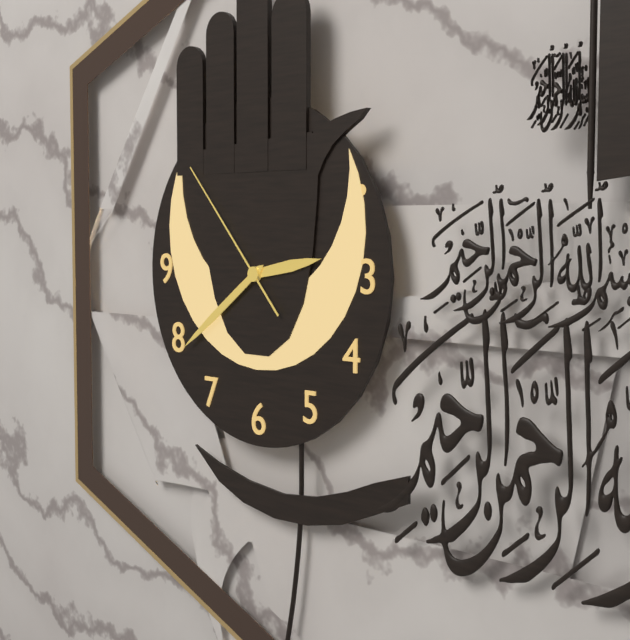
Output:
**2:39:53**
